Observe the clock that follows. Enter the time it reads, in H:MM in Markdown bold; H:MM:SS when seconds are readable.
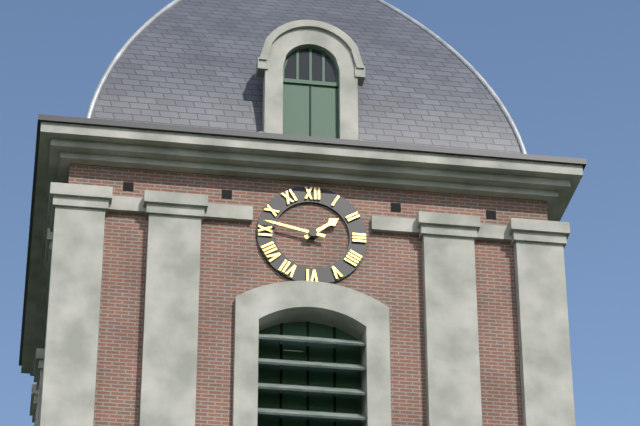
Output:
**1:47**
